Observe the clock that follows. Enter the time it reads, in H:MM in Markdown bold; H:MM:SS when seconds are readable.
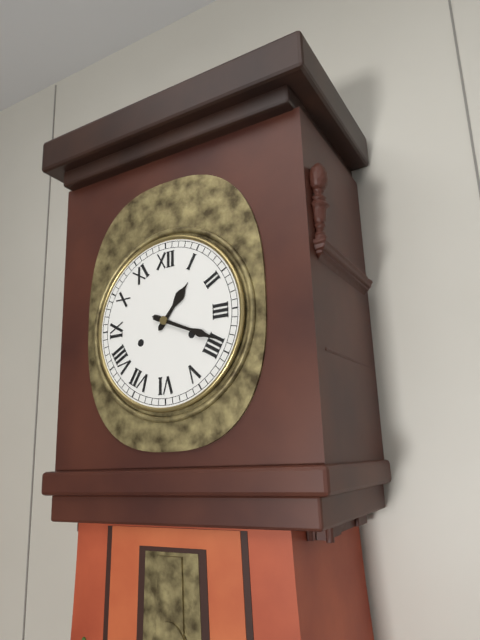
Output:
**1:19**
